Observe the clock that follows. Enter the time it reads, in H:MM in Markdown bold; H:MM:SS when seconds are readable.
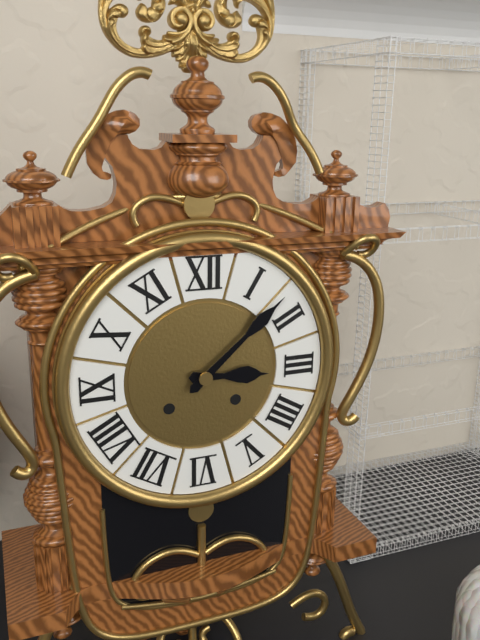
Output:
**3:08**
